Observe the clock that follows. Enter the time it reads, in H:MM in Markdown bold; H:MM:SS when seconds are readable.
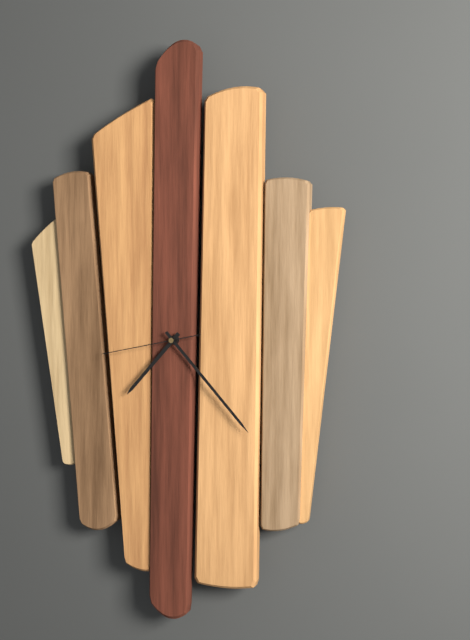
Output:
**7:23:43**
